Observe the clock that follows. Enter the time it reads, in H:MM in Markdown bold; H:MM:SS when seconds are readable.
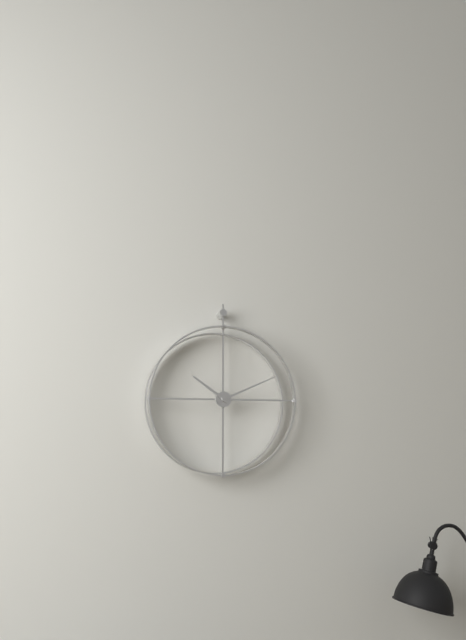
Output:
**10:11**
